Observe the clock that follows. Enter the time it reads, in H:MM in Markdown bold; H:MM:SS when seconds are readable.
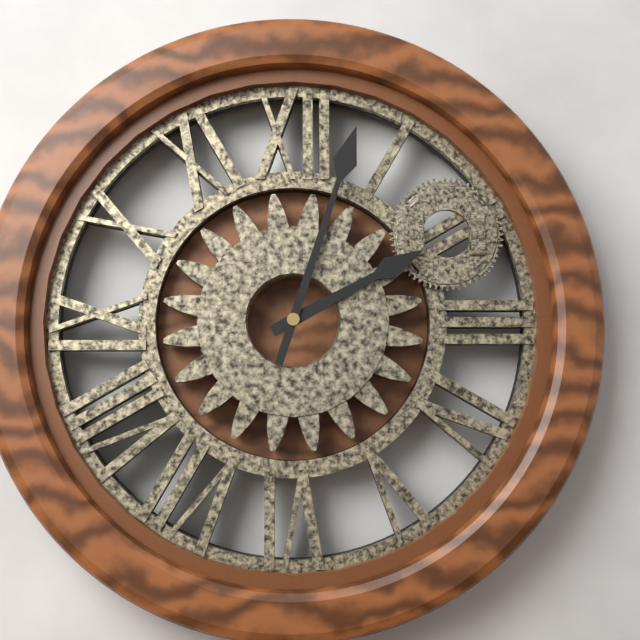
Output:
**2:03**
